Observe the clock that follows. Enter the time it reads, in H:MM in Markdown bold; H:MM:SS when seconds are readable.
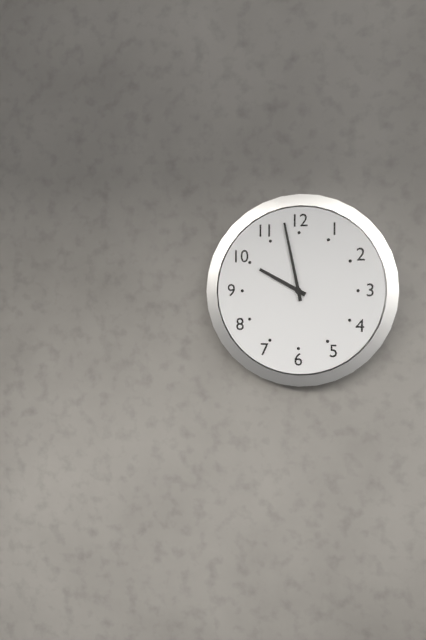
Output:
**9:58**
